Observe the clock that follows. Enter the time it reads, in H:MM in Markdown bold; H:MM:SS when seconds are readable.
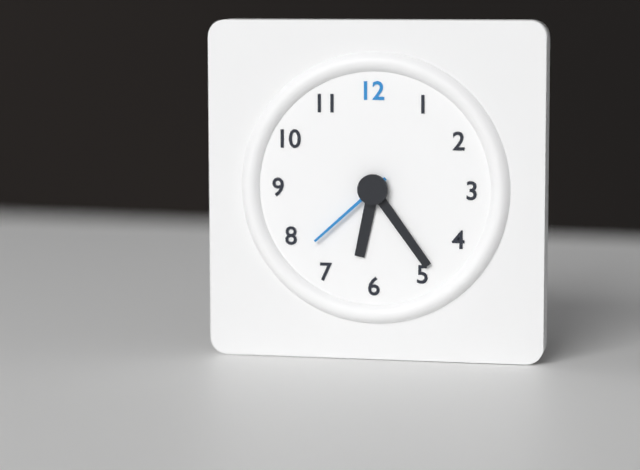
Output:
**6:24:38**
